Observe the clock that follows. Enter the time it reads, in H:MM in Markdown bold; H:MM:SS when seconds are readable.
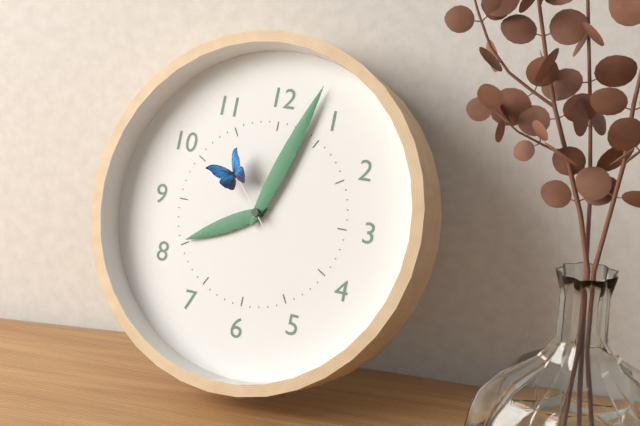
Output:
**8:03:53**
